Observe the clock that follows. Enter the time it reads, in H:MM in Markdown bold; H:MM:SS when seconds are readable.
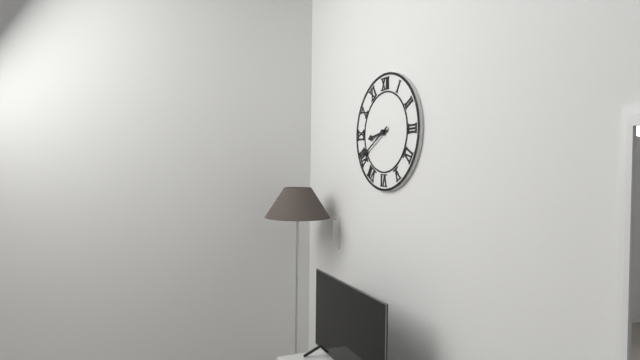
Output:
**8:40**
